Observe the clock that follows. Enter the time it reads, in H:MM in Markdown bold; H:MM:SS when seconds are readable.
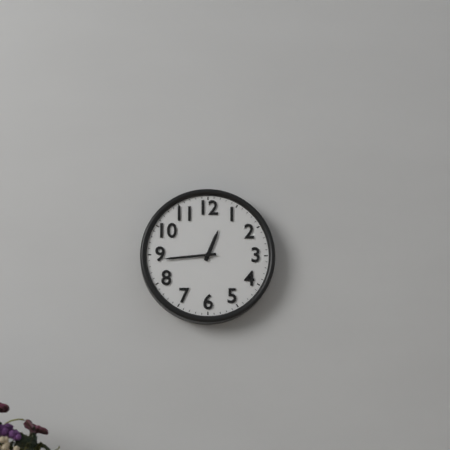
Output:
**12:44**
